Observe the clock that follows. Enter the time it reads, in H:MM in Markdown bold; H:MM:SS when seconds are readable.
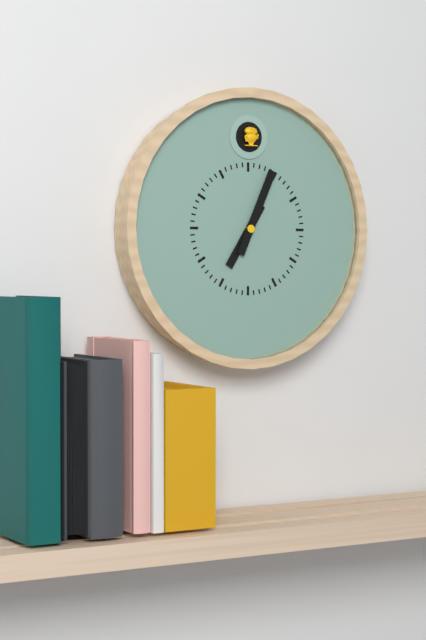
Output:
**7:04**
